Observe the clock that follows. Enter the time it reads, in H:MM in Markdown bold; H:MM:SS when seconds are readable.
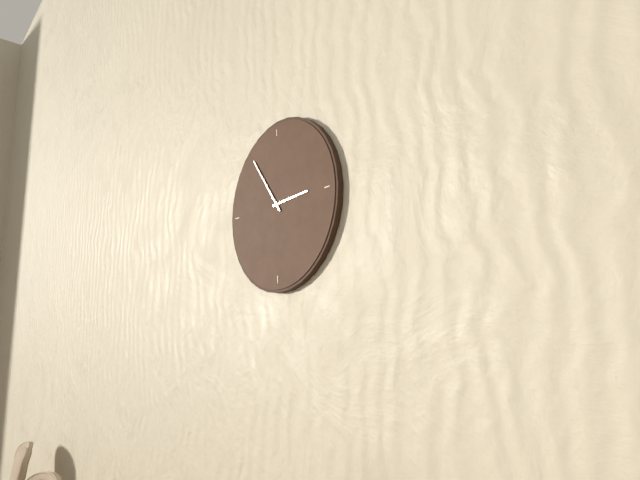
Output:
**2:54**
